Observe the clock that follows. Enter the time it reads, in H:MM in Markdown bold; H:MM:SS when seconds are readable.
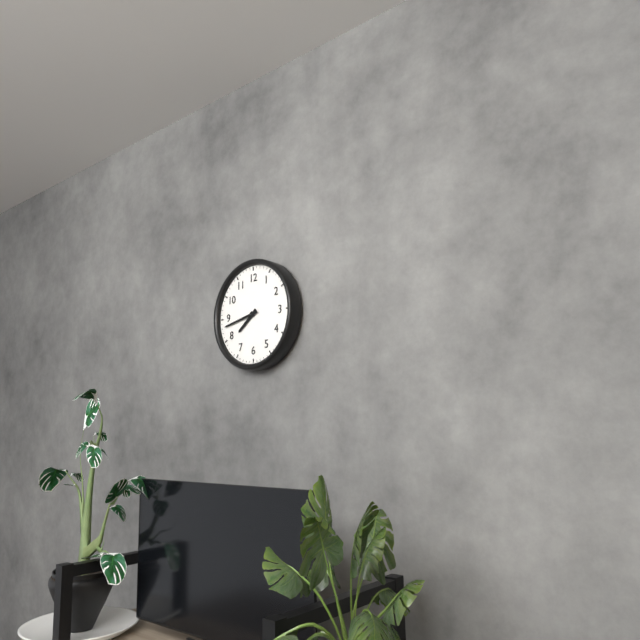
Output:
**7:43**
